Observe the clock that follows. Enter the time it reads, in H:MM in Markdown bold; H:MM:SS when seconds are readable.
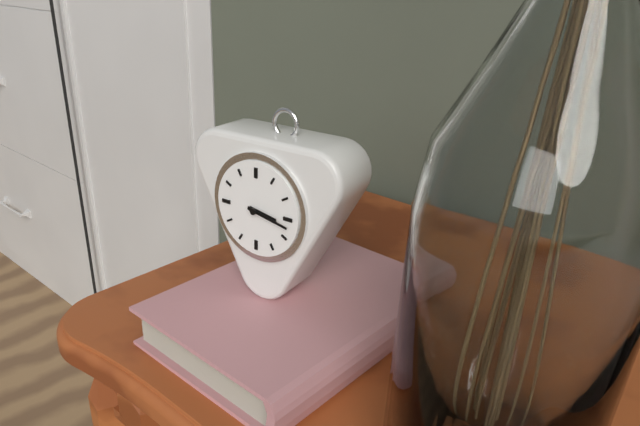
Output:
**3:17**
